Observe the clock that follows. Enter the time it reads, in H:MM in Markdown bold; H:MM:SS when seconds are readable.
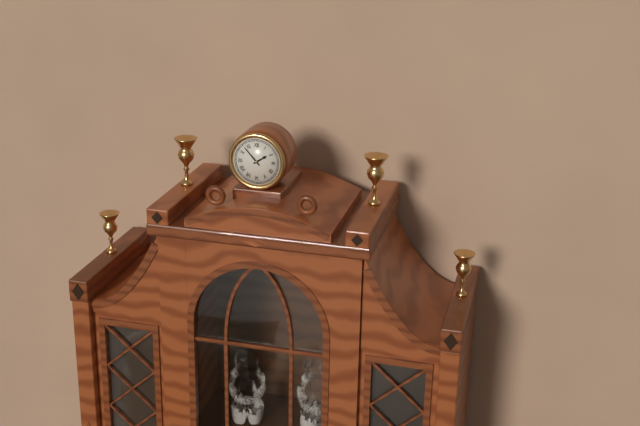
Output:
**1:53**
